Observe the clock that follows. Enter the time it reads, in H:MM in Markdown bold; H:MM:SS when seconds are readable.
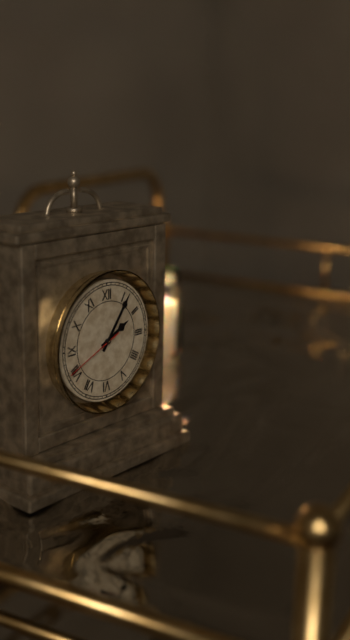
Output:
**2:06:41**
